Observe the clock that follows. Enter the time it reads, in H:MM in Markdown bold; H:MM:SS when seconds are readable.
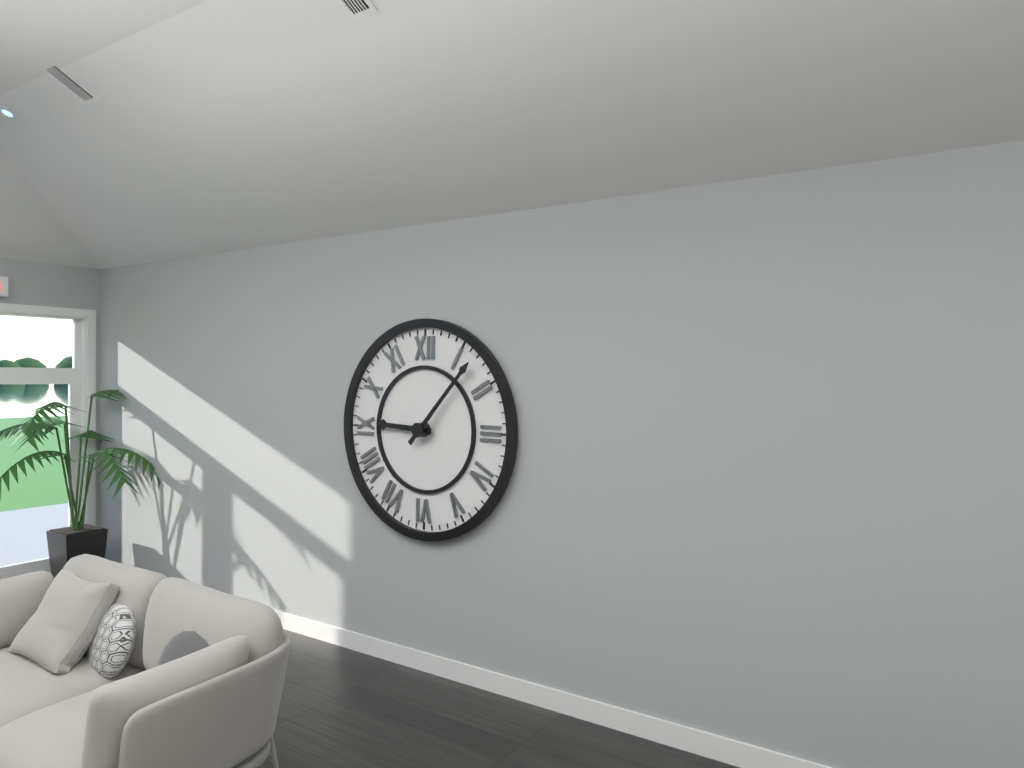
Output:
**9:07**
